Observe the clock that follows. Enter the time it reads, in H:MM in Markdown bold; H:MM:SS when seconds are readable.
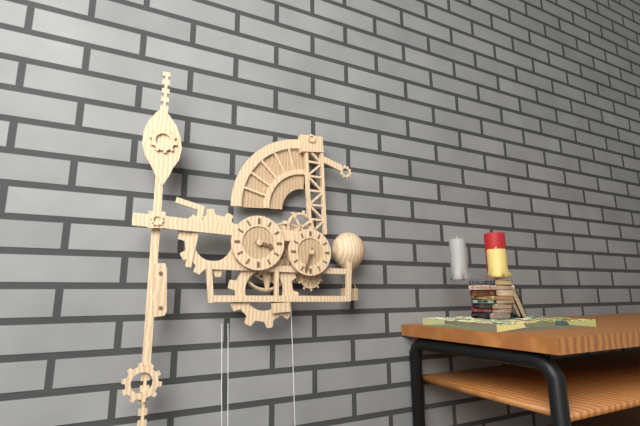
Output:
**3:33**
